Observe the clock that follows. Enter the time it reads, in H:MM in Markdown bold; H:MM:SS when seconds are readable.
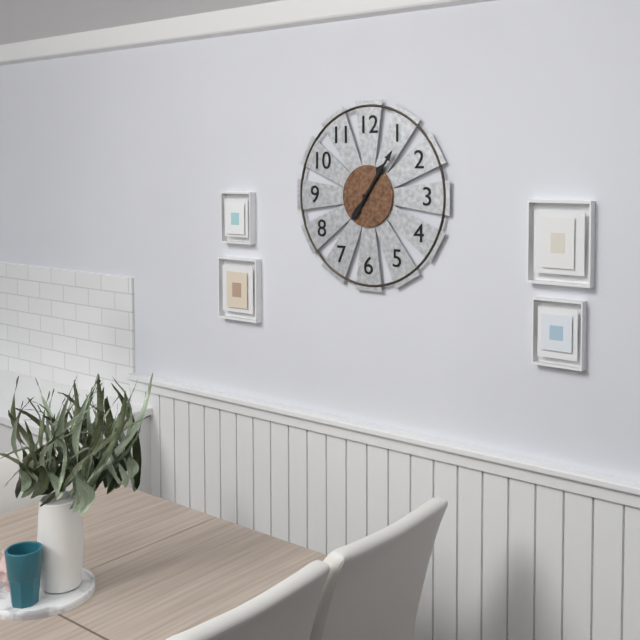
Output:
**1:06**
